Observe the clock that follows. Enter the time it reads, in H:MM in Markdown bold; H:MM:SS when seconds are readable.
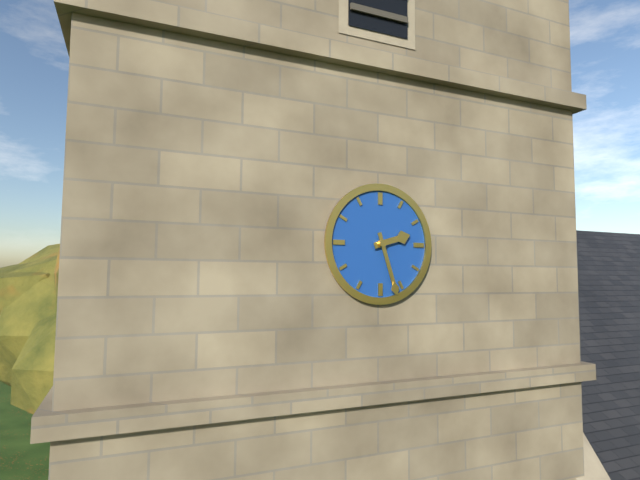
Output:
**2:27**
